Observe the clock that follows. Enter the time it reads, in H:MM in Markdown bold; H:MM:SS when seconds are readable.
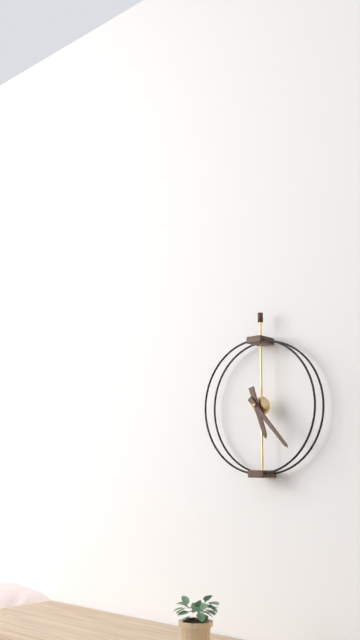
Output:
**5:23**
